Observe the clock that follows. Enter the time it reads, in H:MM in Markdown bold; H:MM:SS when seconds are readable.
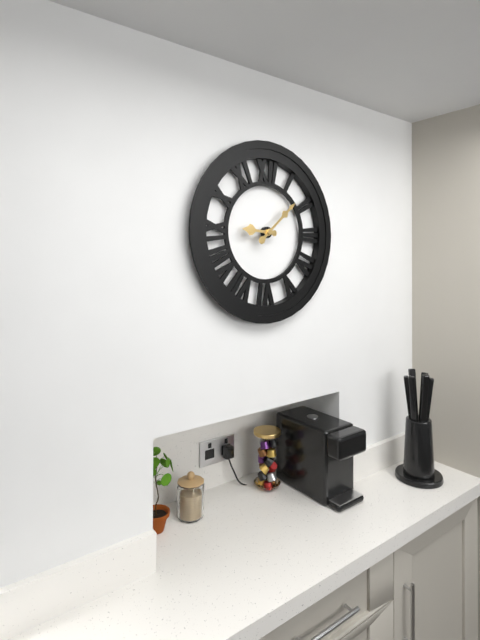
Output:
**9:08**
